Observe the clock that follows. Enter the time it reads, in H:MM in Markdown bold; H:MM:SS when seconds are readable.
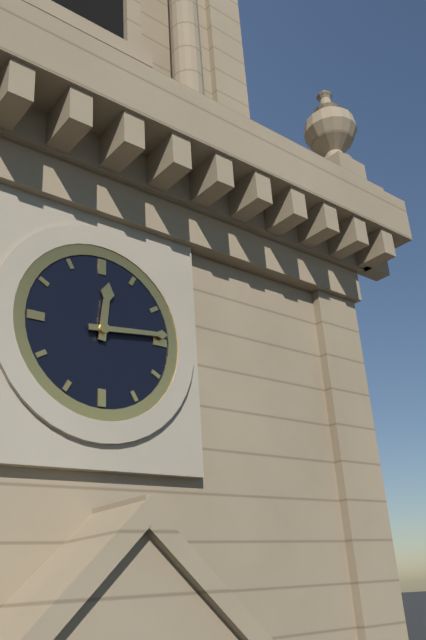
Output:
**12:14**
